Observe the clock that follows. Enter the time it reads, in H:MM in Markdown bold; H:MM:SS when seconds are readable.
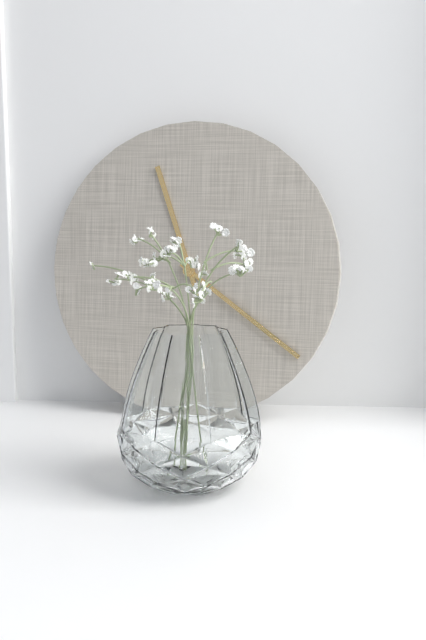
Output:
**11:21**
